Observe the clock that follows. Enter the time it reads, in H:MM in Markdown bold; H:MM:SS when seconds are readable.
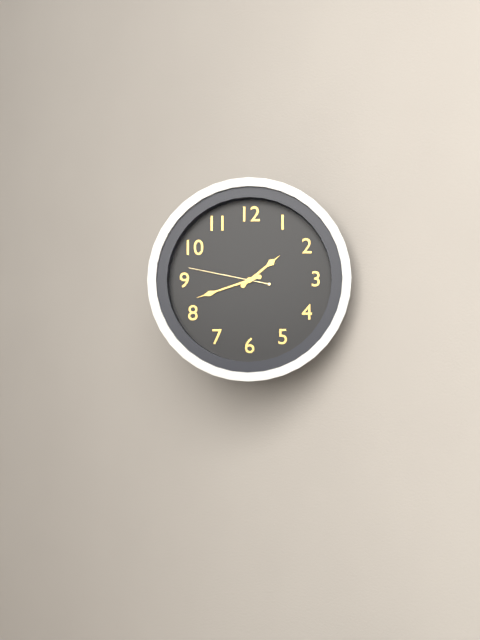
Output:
**1:42:47**
